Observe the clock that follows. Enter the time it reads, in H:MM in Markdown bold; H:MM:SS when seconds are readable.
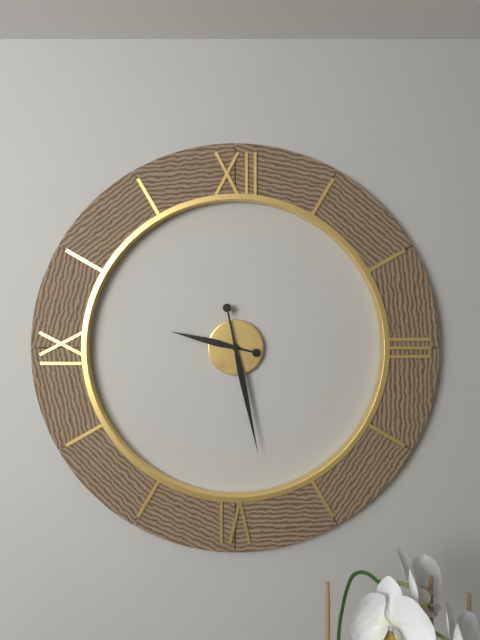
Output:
**9:28**
